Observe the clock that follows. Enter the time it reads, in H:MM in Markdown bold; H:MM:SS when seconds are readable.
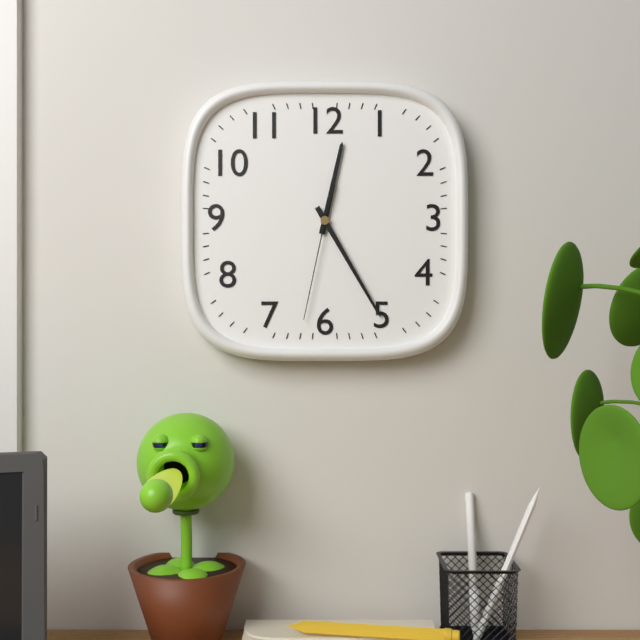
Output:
**12:25:32**
